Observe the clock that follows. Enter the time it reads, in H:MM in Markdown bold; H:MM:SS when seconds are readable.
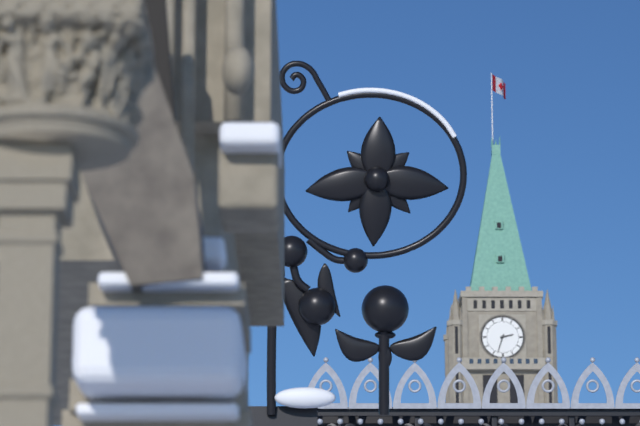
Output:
**2:33**
